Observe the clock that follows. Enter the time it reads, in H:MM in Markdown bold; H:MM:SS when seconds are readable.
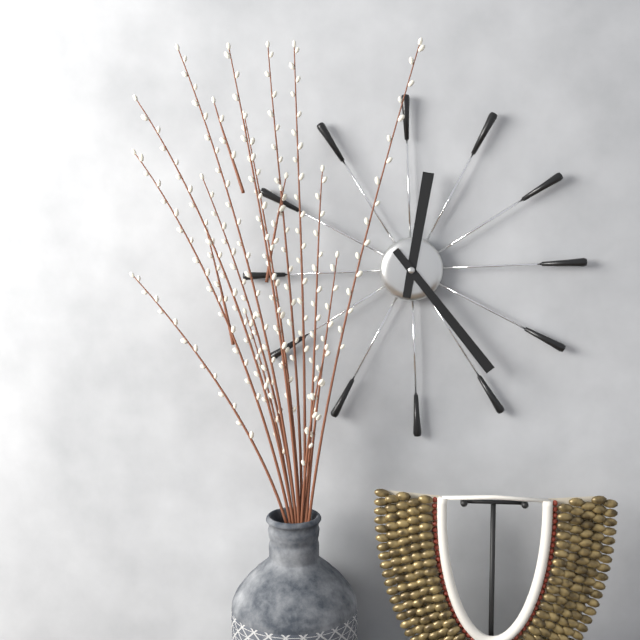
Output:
**12:24**
